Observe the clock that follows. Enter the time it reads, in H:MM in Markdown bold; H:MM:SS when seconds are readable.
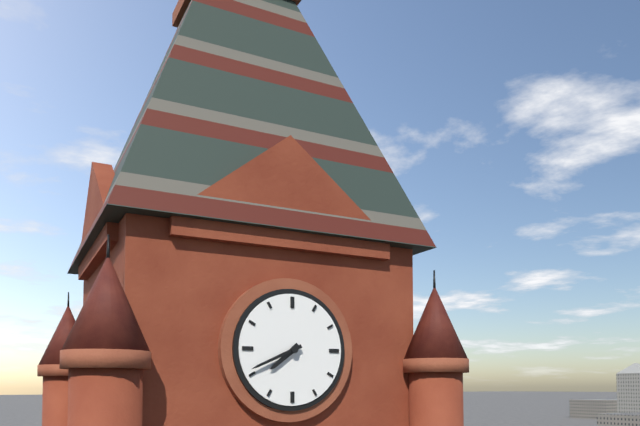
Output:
**7:41**
